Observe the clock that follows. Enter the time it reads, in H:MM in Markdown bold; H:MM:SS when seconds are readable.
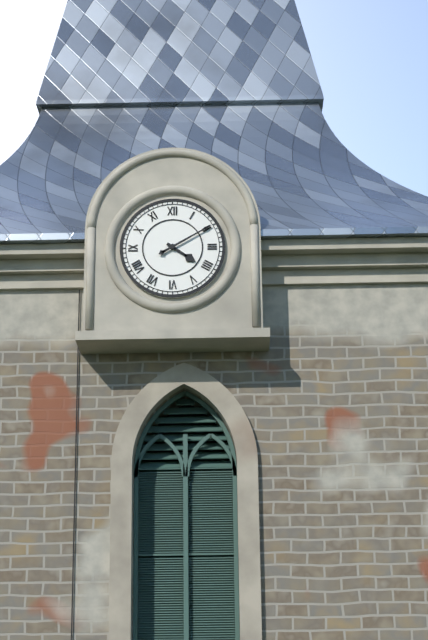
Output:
**4:10**
